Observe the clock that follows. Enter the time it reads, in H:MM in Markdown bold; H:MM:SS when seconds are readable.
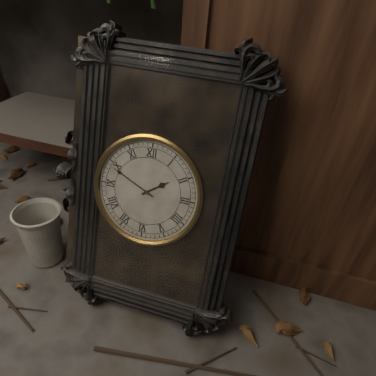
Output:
**1:49**
